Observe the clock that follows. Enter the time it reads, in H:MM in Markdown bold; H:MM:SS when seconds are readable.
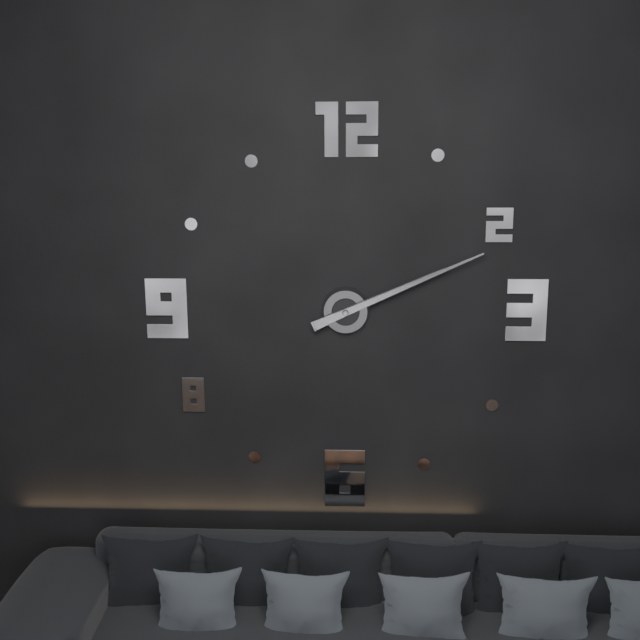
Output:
**2:11**
